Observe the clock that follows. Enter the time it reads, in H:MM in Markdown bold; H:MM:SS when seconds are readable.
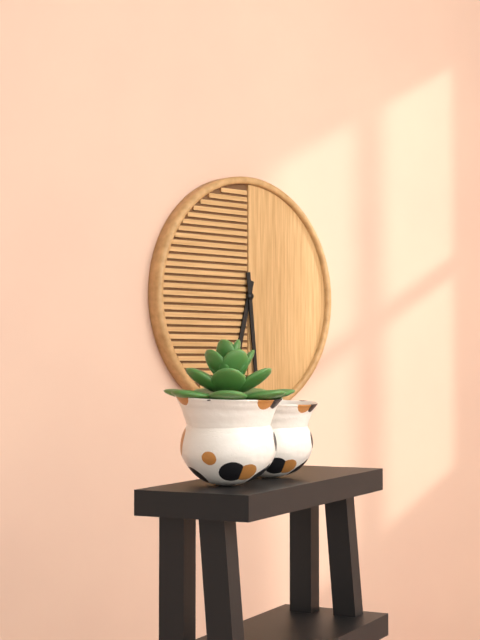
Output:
**6:29**
